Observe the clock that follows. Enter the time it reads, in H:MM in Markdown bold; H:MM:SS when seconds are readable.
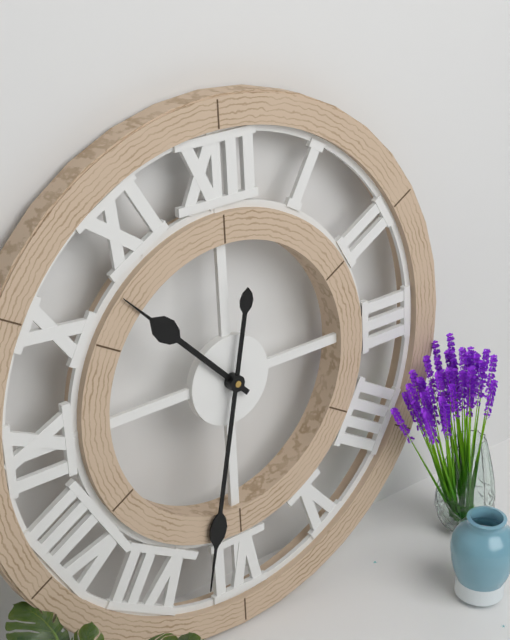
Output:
**10:32**
